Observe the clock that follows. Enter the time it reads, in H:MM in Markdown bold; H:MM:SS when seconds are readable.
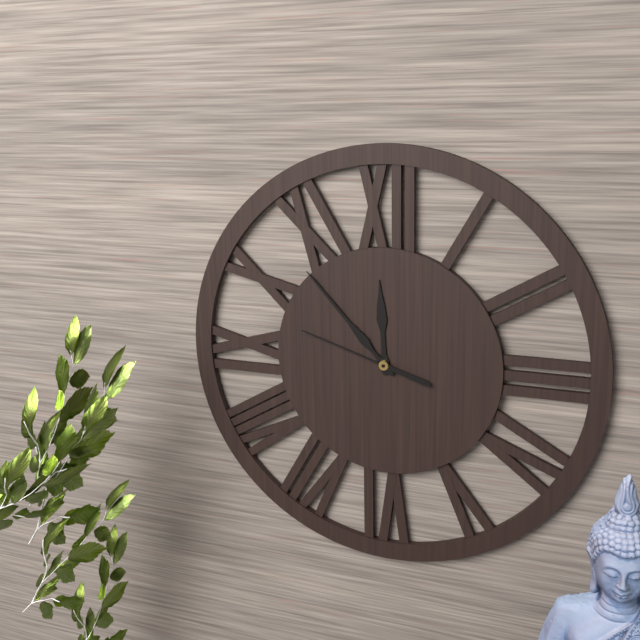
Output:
**11:53:48**
